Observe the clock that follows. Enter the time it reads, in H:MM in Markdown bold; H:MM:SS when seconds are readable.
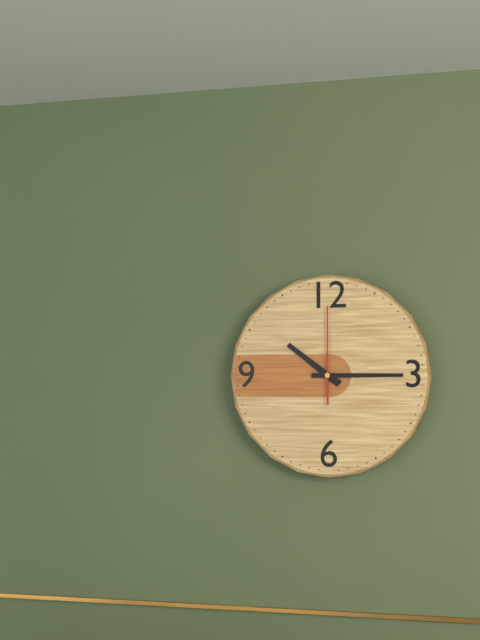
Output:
**10:15:00**
